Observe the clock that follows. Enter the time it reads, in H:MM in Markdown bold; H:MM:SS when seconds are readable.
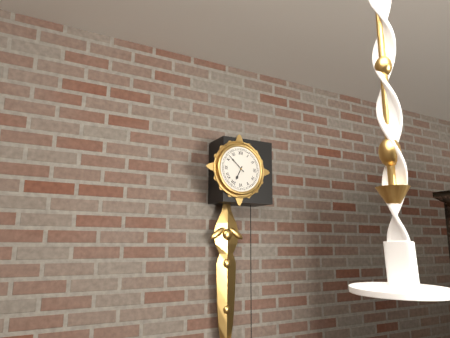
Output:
**6:52**
